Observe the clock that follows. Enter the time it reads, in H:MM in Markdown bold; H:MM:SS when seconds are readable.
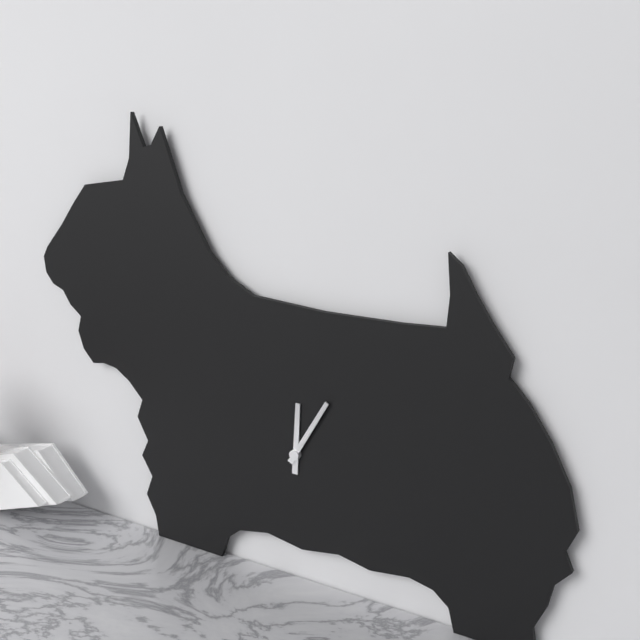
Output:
**12:05**
